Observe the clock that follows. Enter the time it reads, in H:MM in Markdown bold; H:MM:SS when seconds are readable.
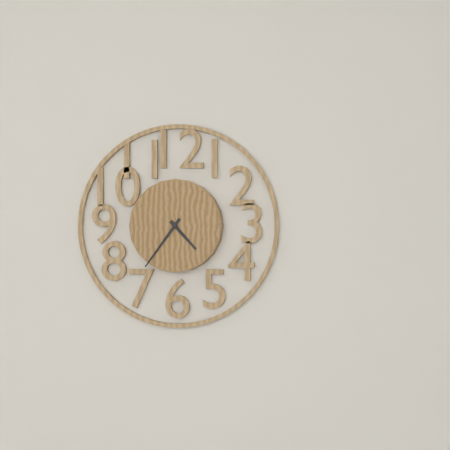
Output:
**4:36**
